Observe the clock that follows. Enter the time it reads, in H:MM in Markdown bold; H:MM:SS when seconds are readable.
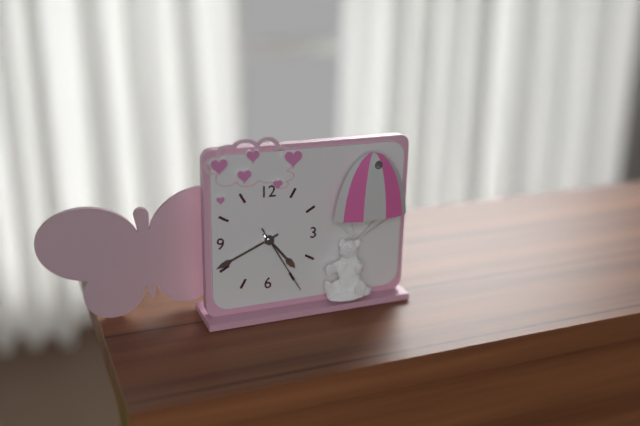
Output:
**4:41:25**
